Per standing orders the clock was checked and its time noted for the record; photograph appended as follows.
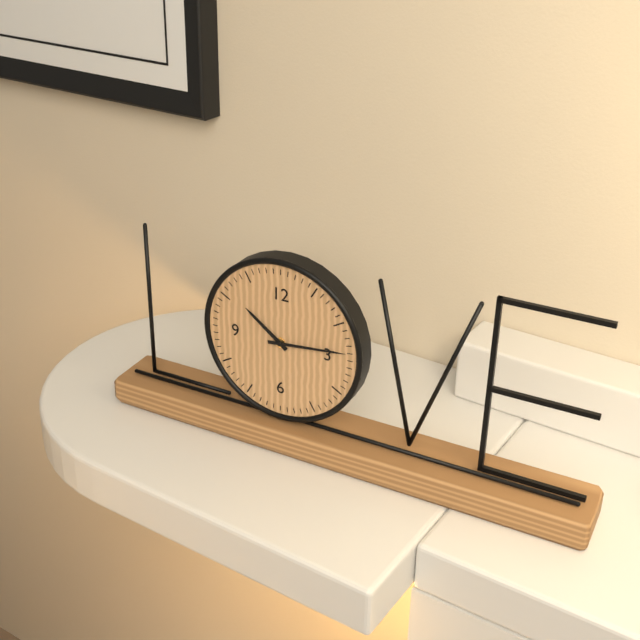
10:14
